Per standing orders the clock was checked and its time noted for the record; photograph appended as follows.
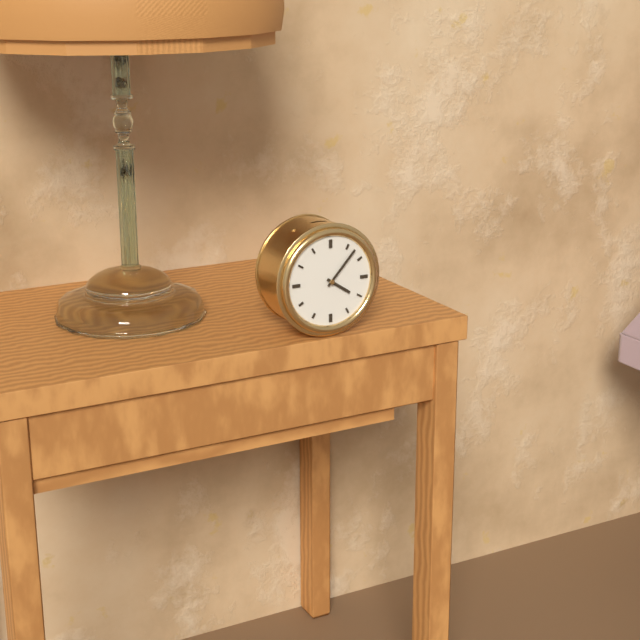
4:07
